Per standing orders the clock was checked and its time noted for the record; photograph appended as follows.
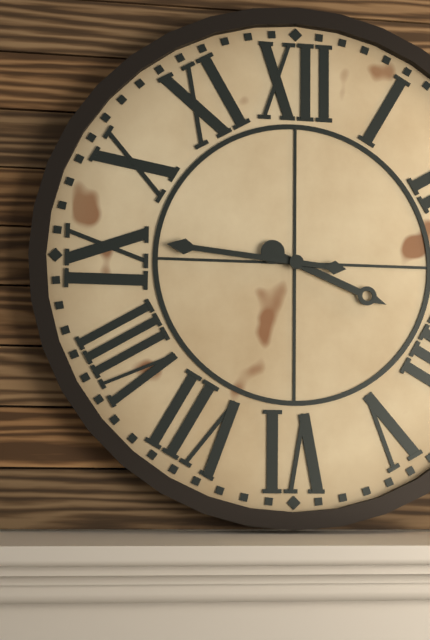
3:46
